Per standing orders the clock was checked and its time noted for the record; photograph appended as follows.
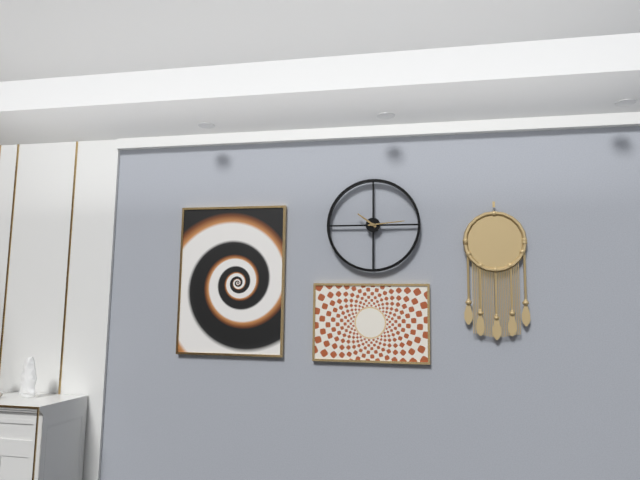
10:14
